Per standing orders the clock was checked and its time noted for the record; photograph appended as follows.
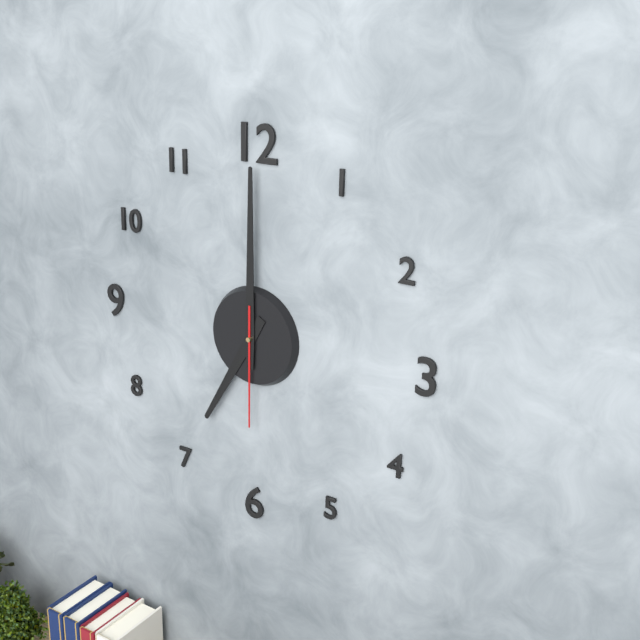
7:00:30
